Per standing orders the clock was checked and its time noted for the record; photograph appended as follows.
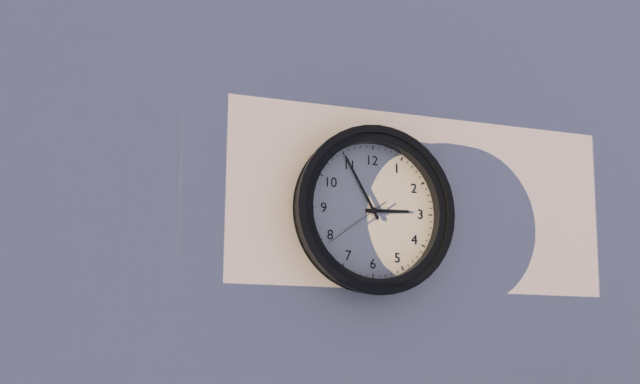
2:55:39
